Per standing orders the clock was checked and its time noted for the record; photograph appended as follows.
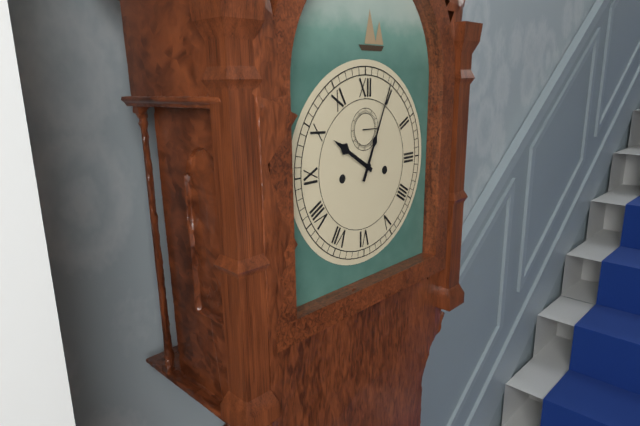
10:04
